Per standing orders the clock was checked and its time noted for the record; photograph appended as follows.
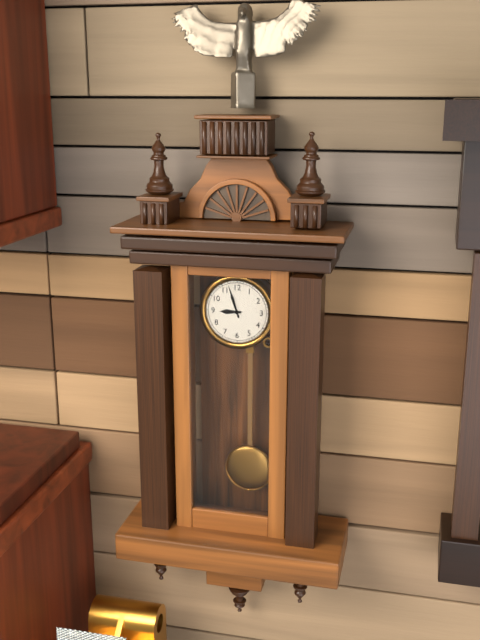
8:57
